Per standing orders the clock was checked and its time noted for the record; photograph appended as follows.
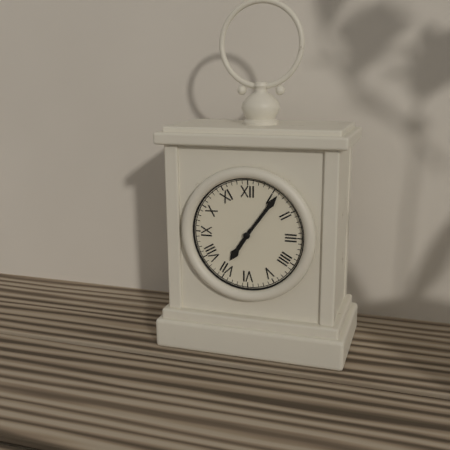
7:06
